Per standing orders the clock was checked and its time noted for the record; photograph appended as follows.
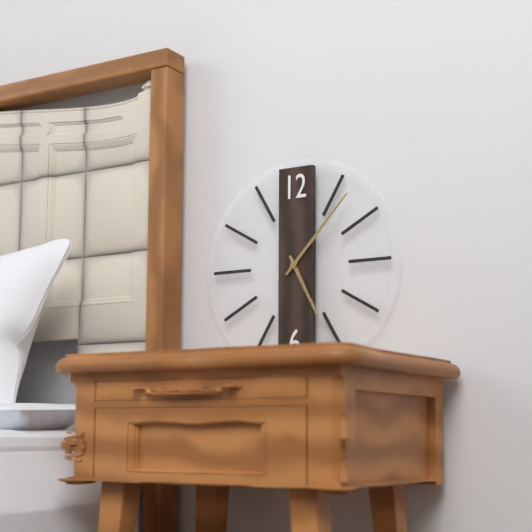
5:07
